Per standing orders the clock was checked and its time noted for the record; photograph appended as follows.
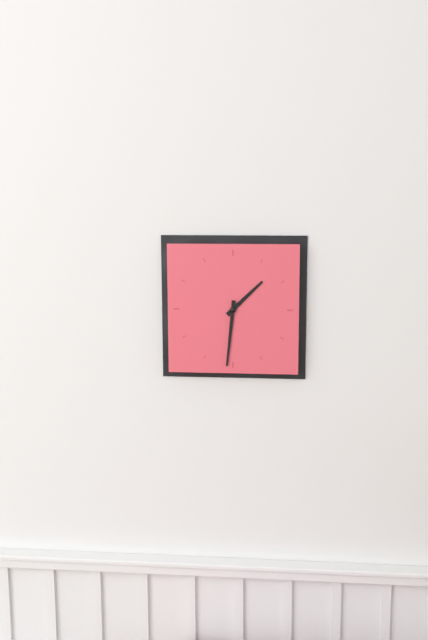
1:31
